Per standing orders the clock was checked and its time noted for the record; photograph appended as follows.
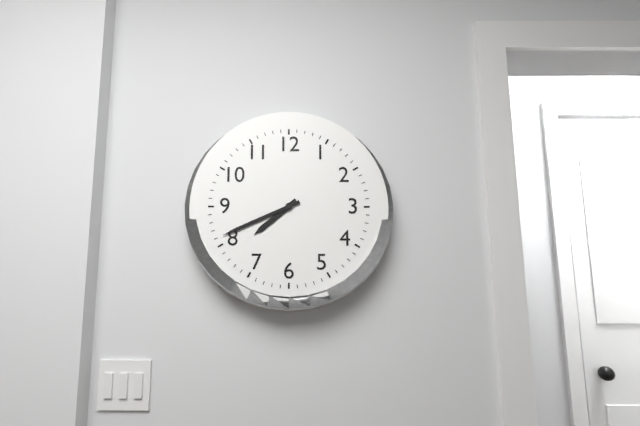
7:41
